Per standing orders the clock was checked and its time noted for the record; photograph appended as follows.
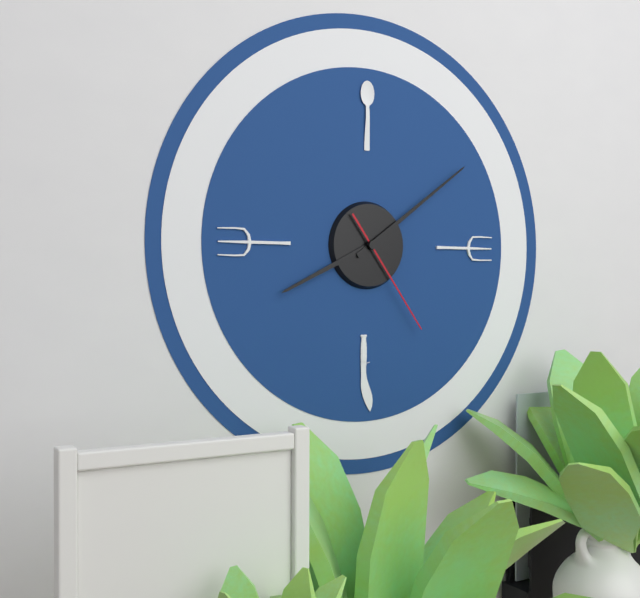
8:09:24
